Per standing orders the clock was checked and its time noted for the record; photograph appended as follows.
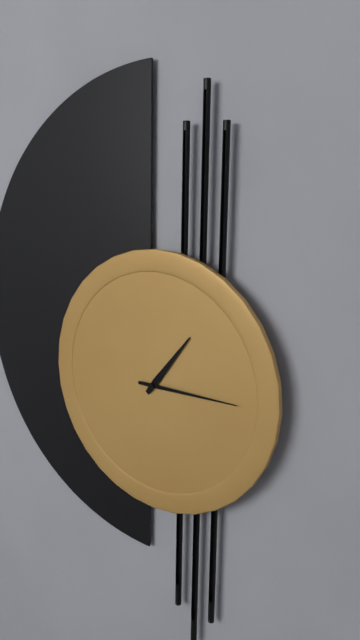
1:15
